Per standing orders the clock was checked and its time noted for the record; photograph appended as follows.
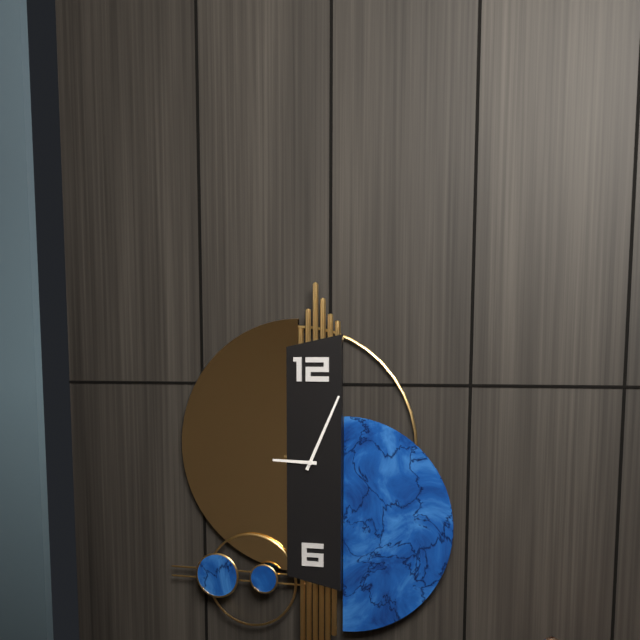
9:04
